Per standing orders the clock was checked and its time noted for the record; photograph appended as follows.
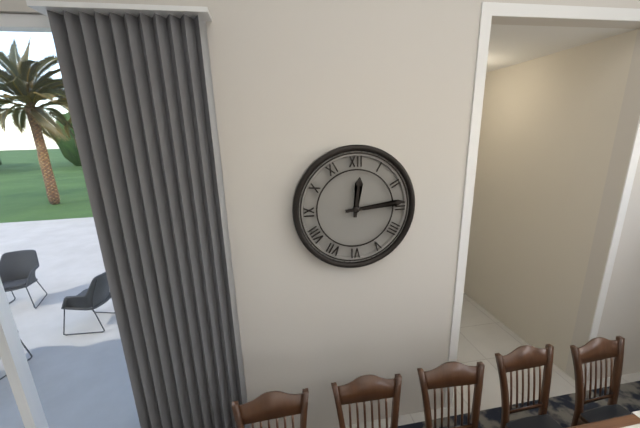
12:14
